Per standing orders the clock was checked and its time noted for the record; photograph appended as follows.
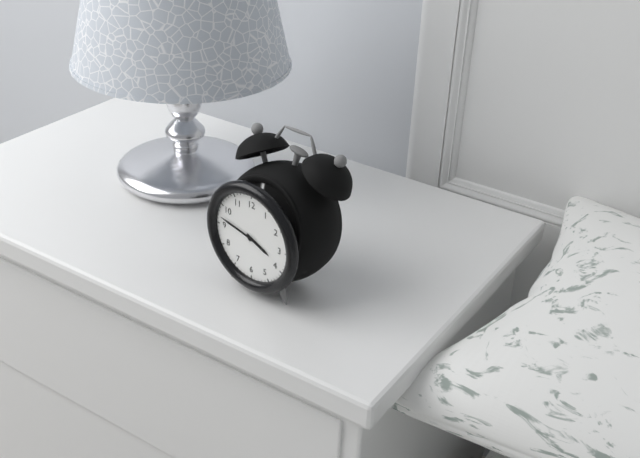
3:47
